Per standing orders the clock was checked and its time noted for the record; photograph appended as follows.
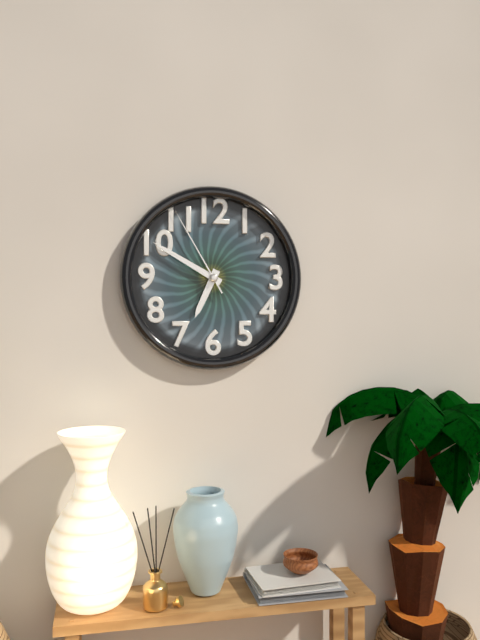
6:50:55
